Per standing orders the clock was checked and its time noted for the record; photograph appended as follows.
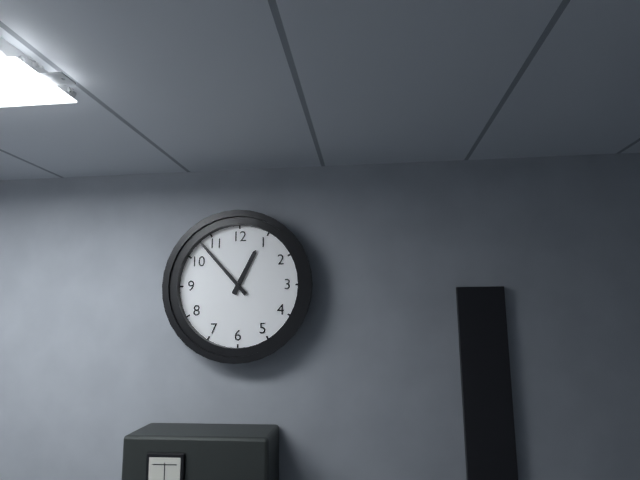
12:53
